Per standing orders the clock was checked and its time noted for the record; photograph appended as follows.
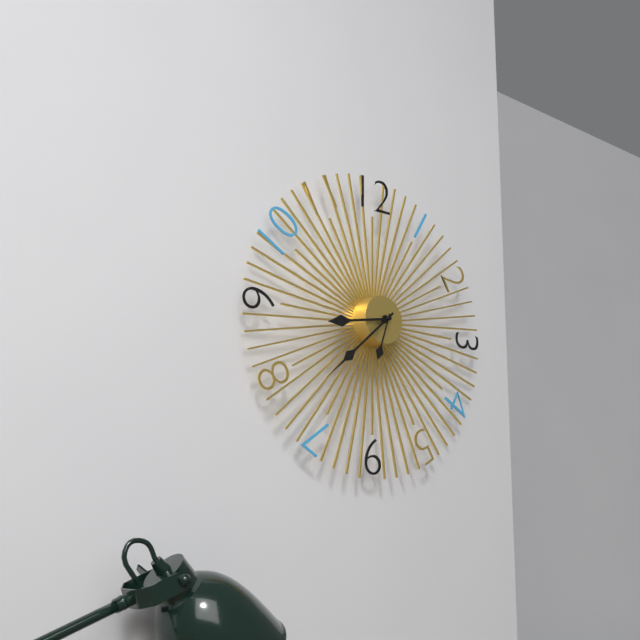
8:38:33
